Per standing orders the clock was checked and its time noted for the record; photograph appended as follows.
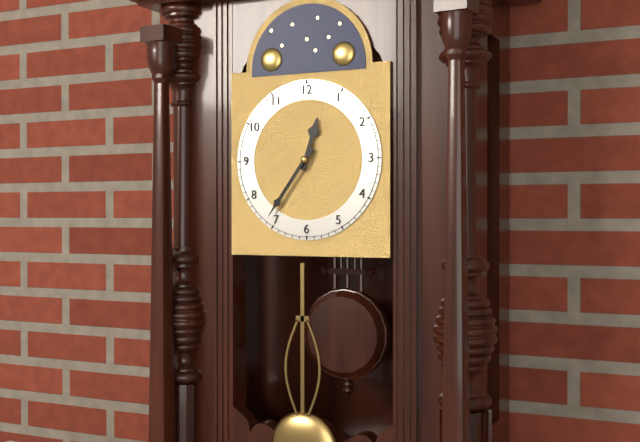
12:36
